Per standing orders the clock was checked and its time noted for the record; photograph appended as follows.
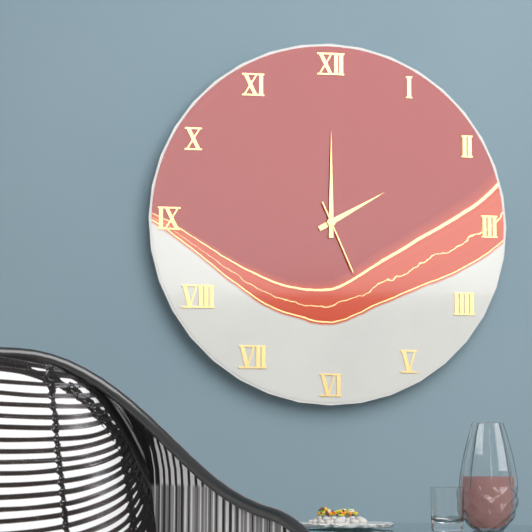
2:00:26
